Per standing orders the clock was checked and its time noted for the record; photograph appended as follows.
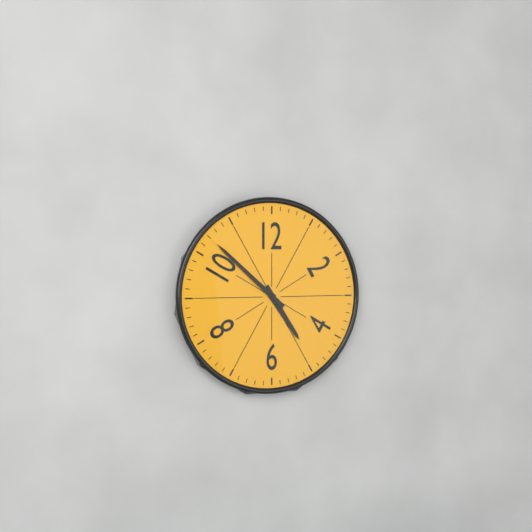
4:52
